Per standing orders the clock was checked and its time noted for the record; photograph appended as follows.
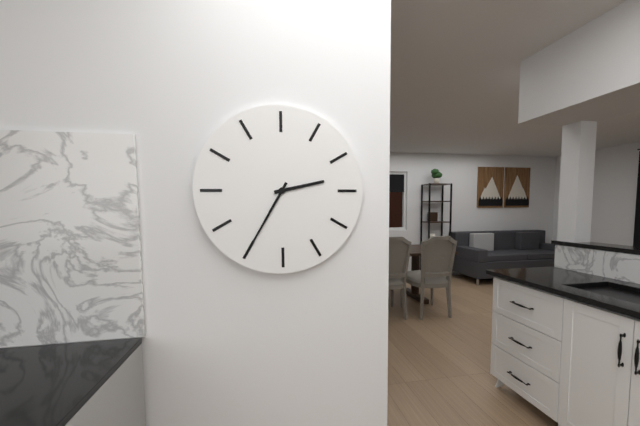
2:35
